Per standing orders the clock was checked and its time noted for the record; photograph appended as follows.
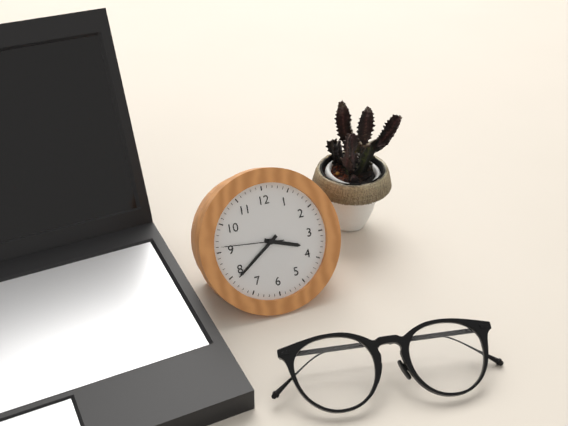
3:39:46
